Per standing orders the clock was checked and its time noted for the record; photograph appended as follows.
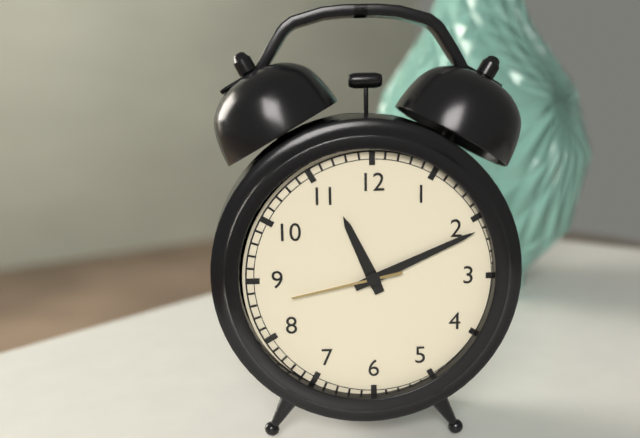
11:11:43
